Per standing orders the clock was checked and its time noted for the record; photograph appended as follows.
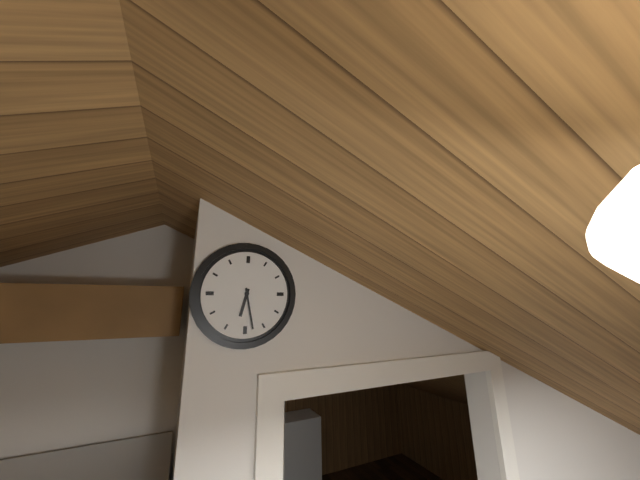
6:28
